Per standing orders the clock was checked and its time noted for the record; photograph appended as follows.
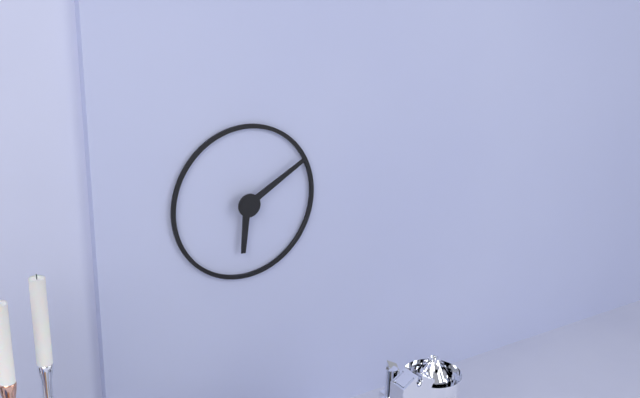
6:10
